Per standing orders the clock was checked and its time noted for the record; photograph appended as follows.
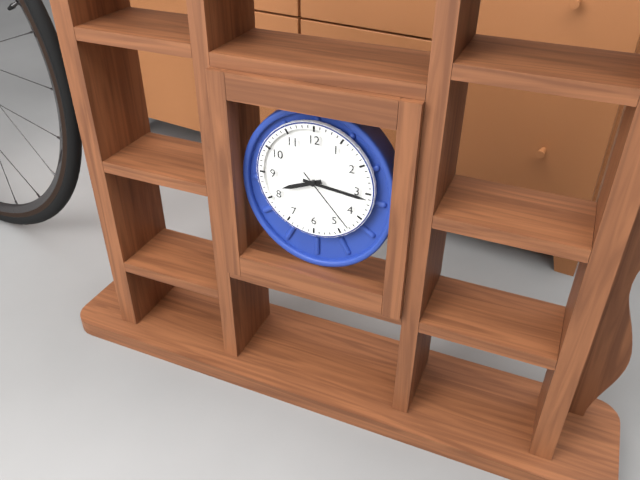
8:16:23
